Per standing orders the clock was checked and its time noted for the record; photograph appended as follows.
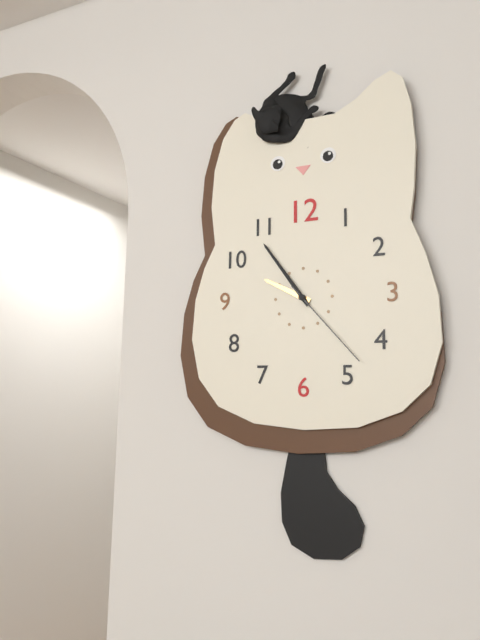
9:54:23
